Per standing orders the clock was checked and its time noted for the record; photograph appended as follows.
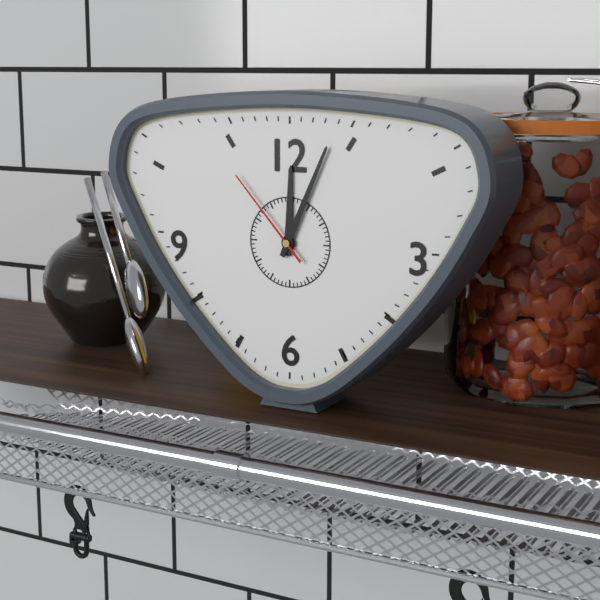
12:04:53
